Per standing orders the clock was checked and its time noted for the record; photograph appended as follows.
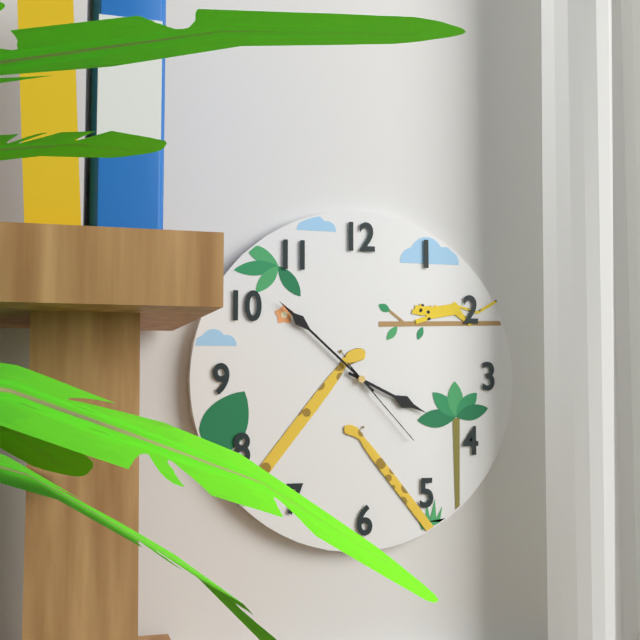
3:52:23
